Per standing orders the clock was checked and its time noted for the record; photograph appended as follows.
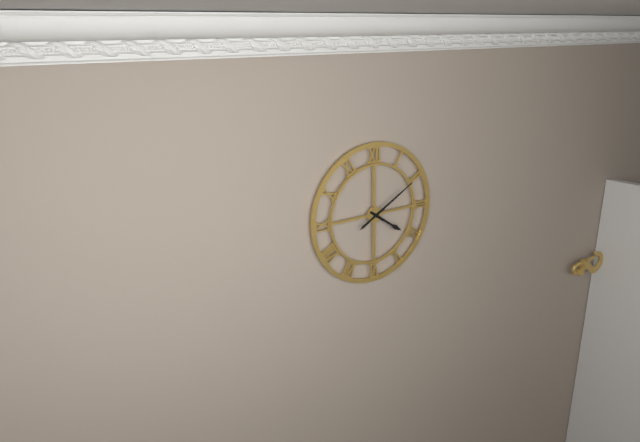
4:10
